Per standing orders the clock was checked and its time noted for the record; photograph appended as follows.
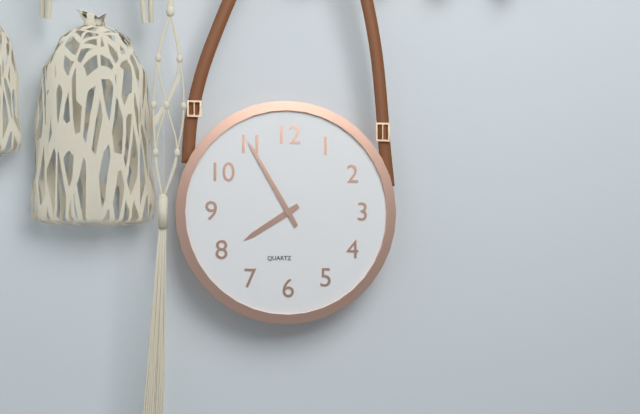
7:55
